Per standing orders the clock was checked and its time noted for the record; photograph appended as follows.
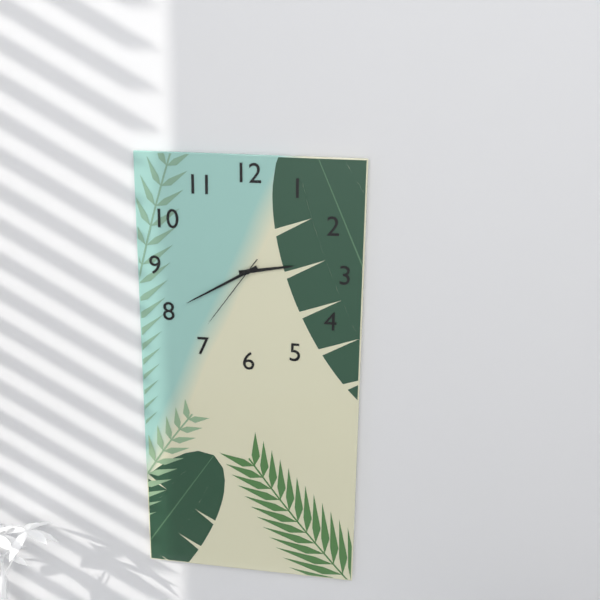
2:40:36
